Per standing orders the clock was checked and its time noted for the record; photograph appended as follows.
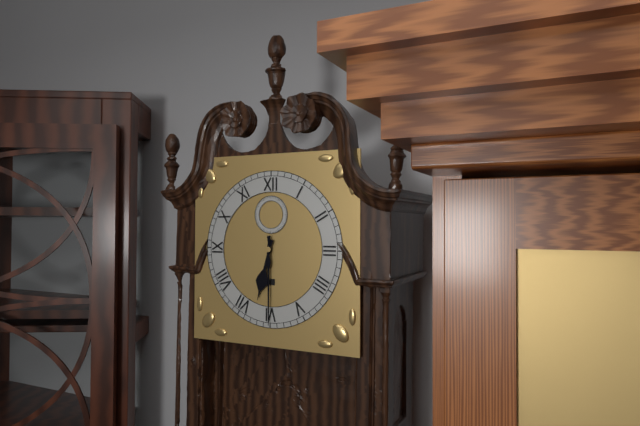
6:30
